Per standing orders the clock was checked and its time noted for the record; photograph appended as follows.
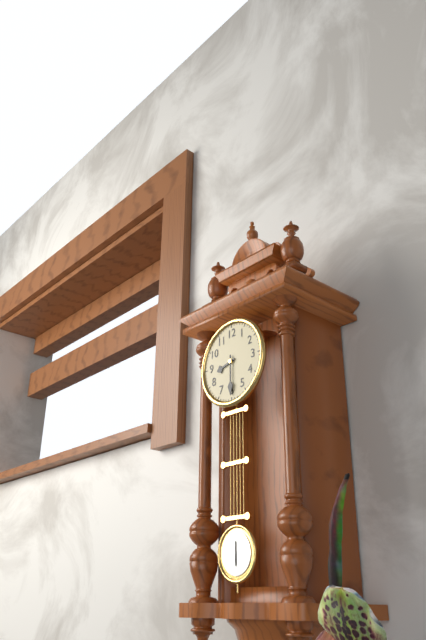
8:30
